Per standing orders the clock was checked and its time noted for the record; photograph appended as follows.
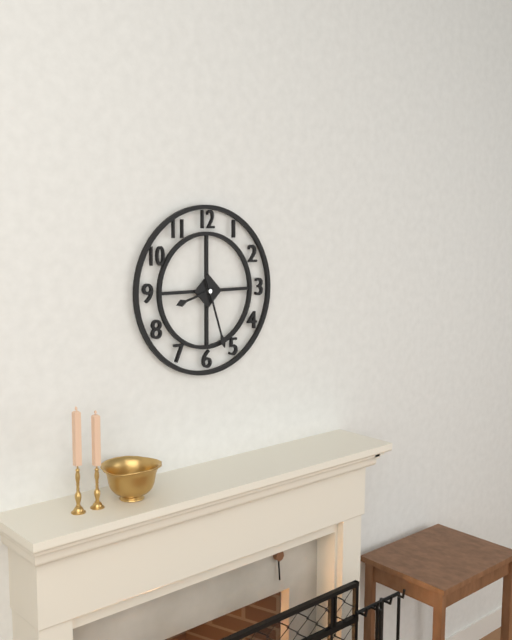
8:27
